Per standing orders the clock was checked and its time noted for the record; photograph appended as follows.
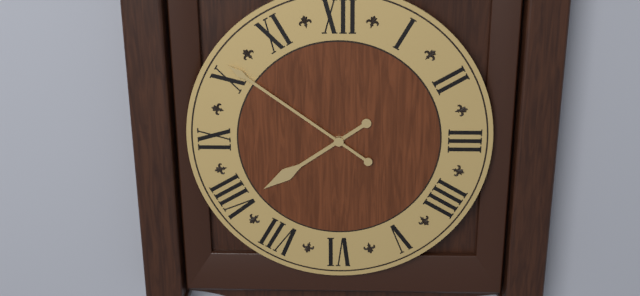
7:51
